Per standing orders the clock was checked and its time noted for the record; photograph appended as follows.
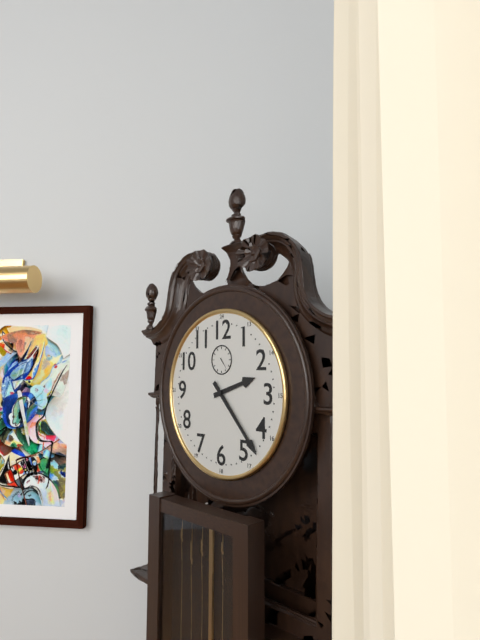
2:23
